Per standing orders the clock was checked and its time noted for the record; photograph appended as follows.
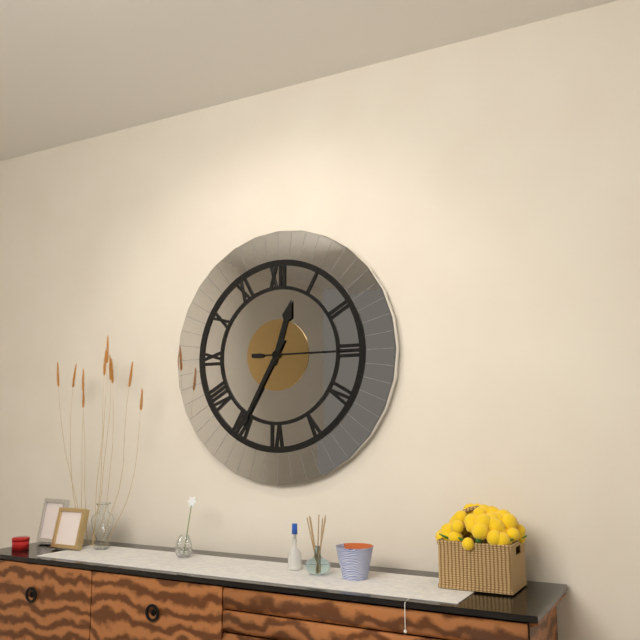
12:35:15
